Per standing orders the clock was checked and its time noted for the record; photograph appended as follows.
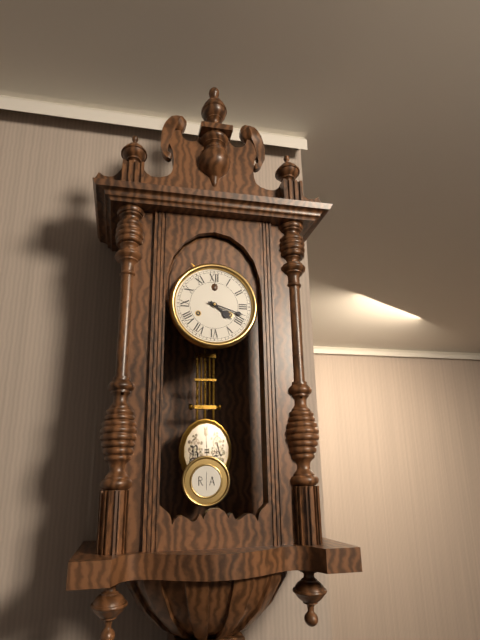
4:18
